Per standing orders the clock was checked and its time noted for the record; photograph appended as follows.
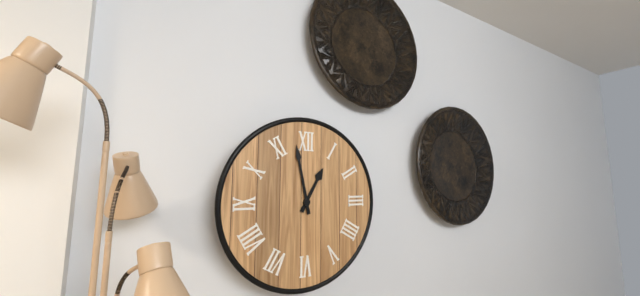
12:58
